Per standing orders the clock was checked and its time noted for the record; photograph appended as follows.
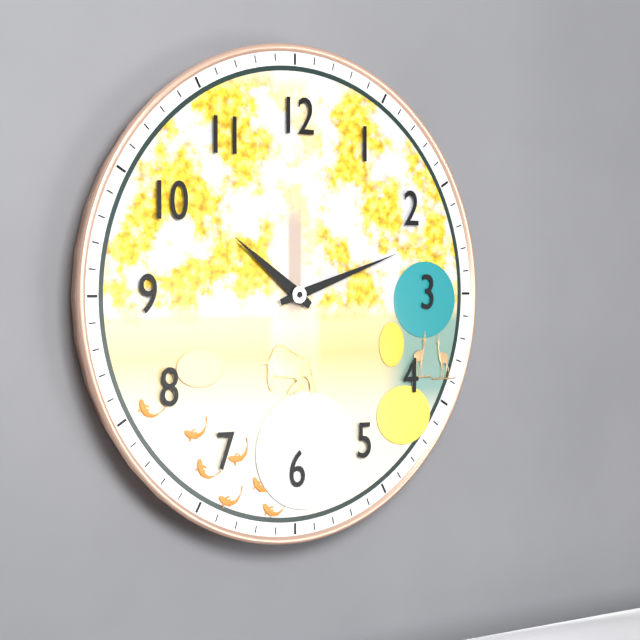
10:12
